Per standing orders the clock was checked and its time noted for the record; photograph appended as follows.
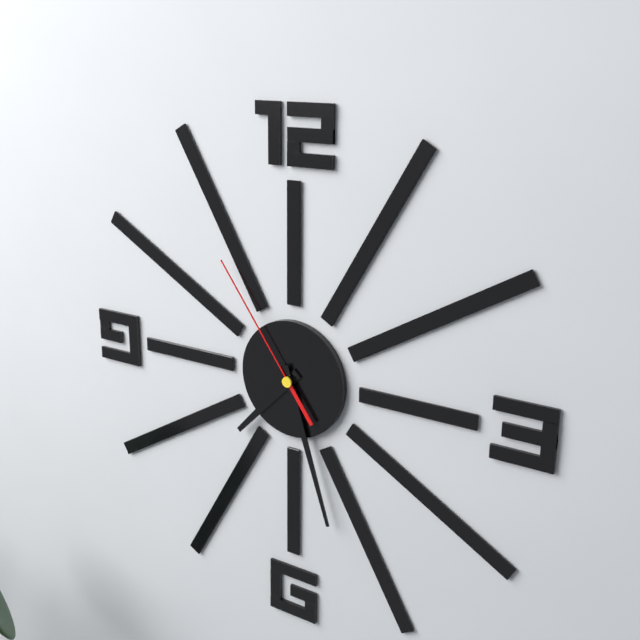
7:27:54
